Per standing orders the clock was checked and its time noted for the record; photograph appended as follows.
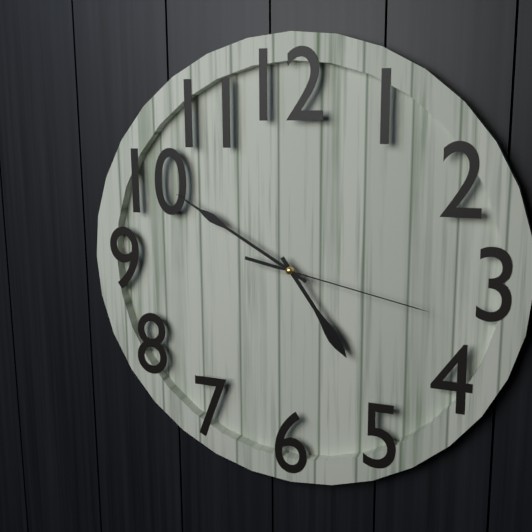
4:50:17
